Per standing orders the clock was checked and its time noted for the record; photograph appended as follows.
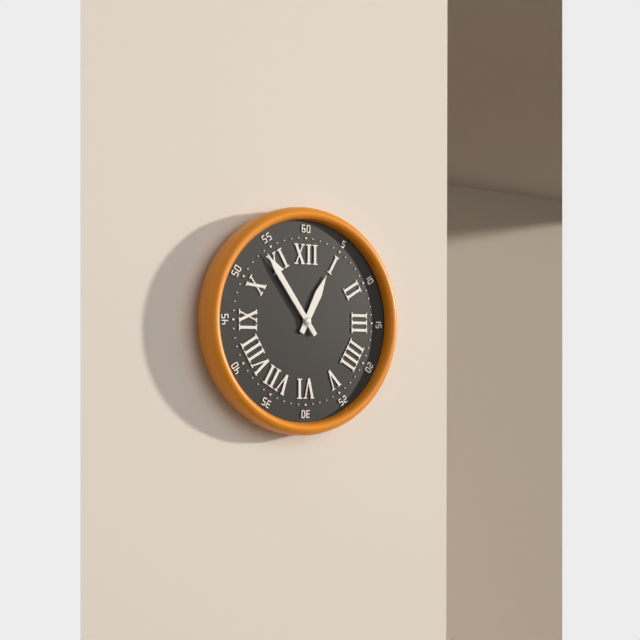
12:54
